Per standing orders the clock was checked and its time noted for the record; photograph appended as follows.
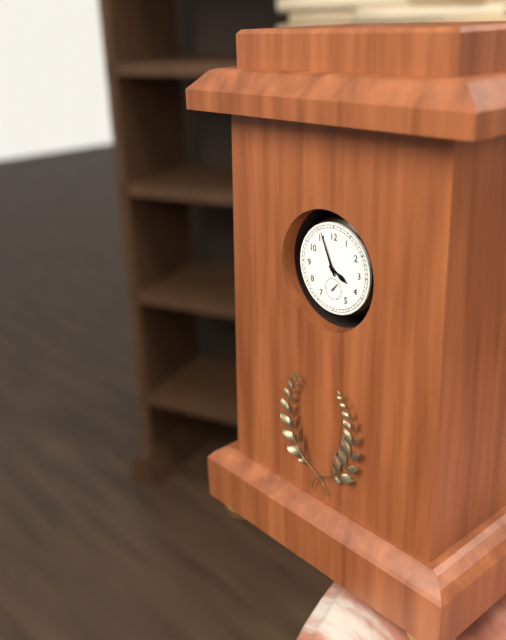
3:56
